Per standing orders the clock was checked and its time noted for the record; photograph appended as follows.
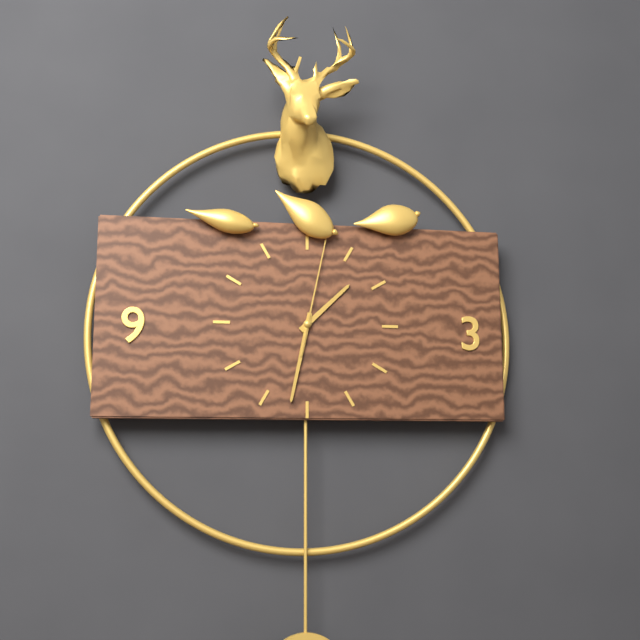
1:32:02
